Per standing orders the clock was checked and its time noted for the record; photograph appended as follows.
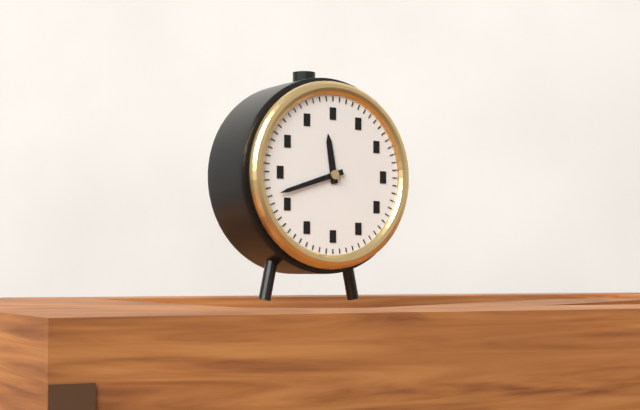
11:42
